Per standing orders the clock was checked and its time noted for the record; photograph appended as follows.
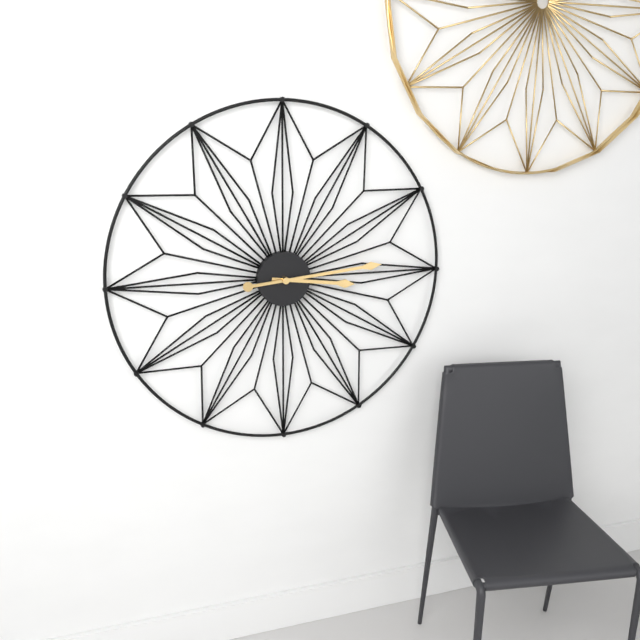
3:14
